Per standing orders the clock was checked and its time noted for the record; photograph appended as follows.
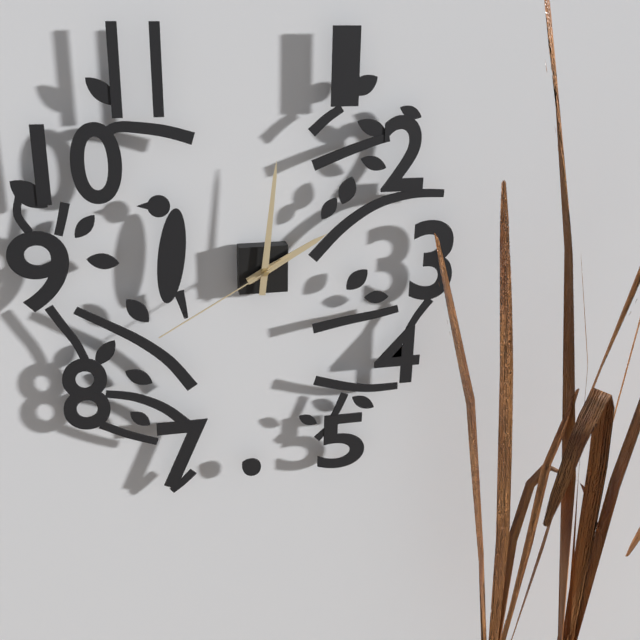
2:01:40
